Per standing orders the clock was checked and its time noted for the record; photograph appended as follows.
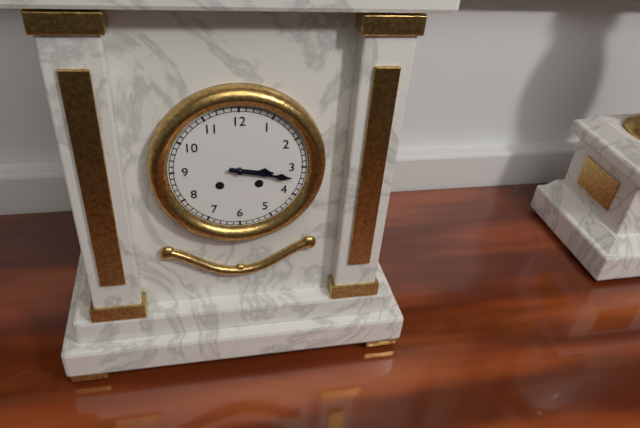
3:17
